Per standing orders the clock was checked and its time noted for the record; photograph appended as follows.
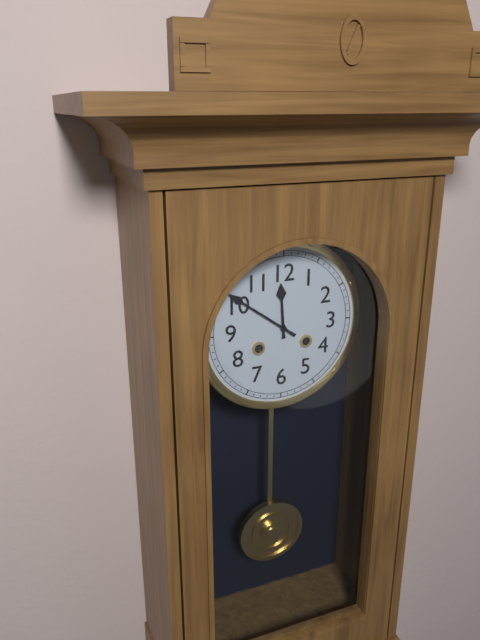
11:51
